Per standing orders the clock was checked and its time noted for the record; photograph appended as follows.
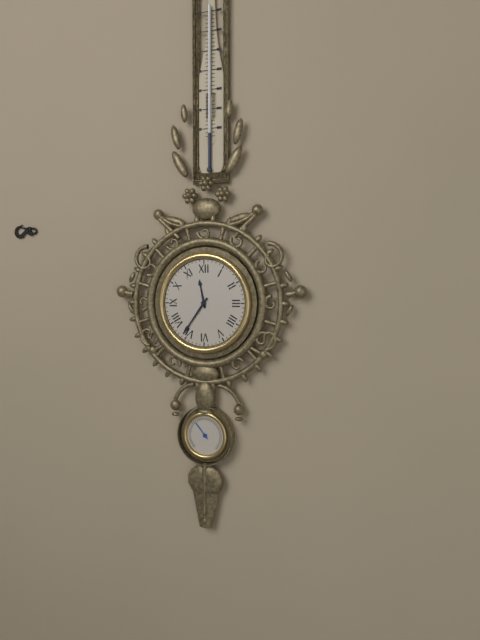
11:36
